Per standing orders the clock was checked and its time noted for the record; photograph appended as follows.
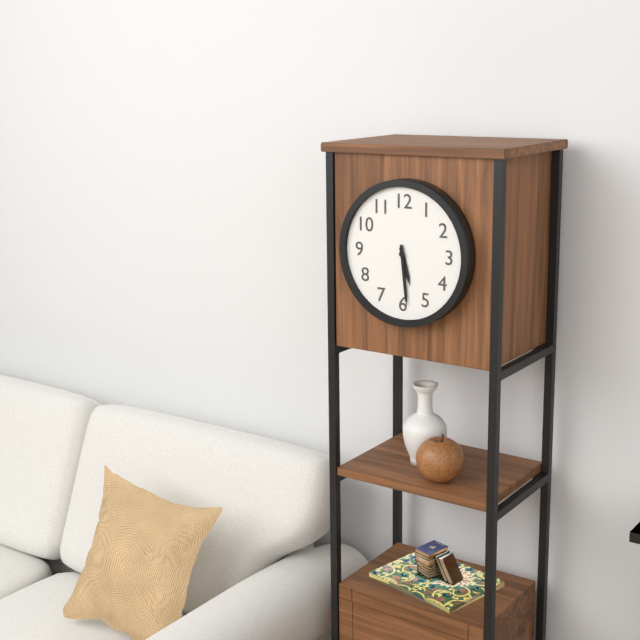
5:29
